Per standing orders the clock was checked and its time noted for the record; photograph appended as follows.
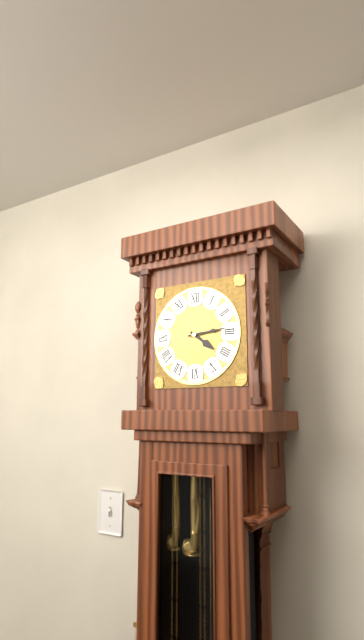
4:14
